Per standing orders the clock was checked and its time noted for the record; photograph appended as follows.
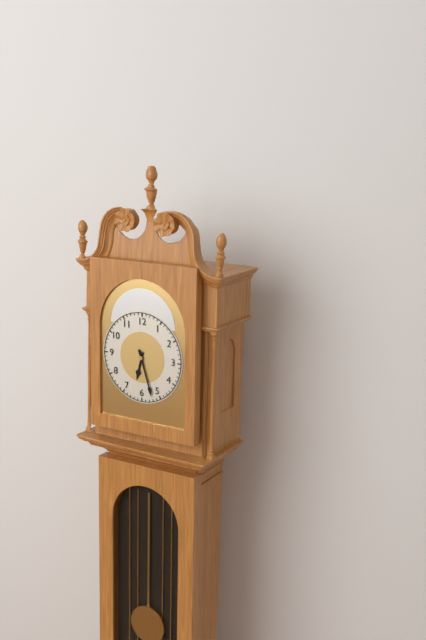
6:27
